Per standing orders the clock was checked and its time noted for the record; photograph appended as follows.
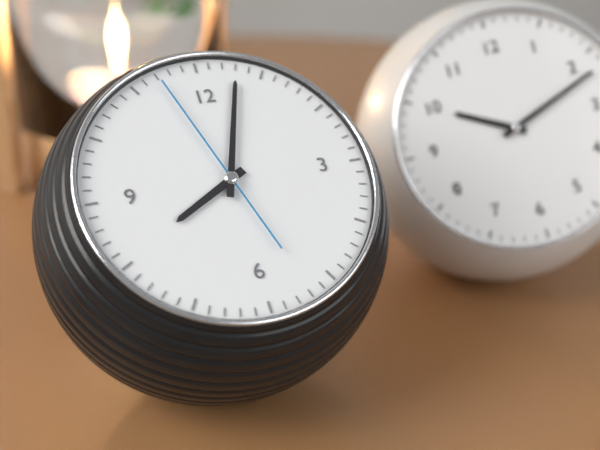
8:03:57
